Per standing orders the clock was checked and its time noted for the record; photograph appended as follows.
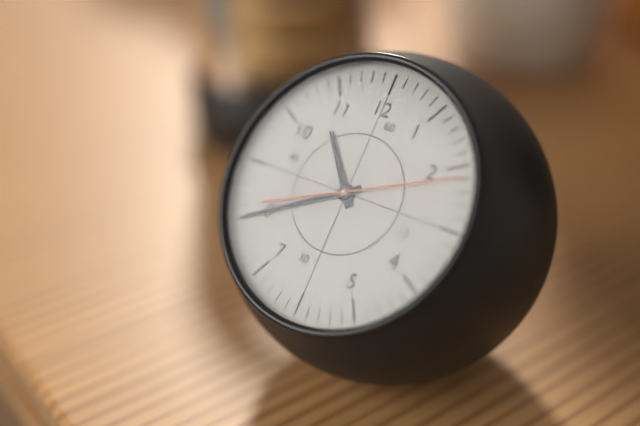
10:40:11
